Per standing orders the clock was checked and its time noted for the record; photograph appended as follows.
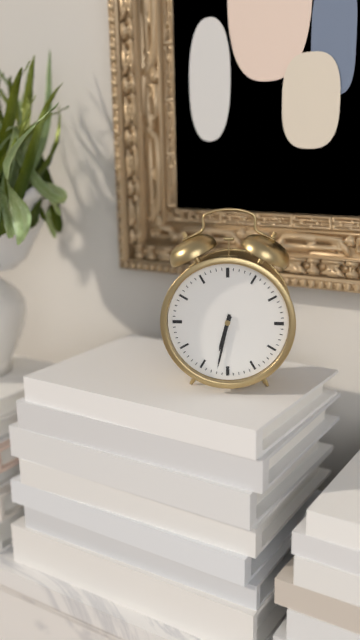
6:32
